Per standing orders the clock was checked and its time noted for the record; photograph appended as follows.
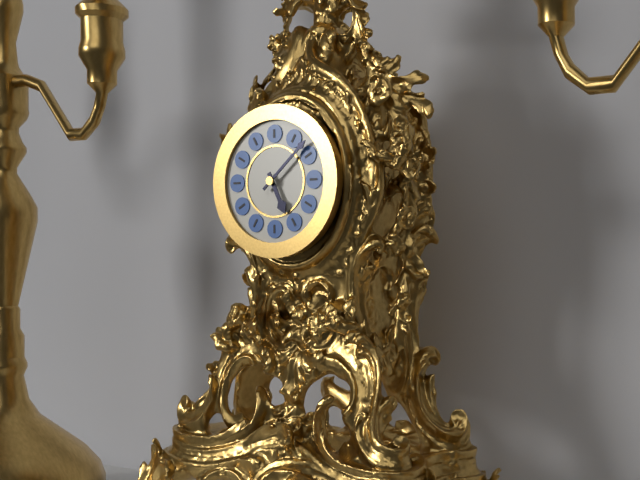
5:08
